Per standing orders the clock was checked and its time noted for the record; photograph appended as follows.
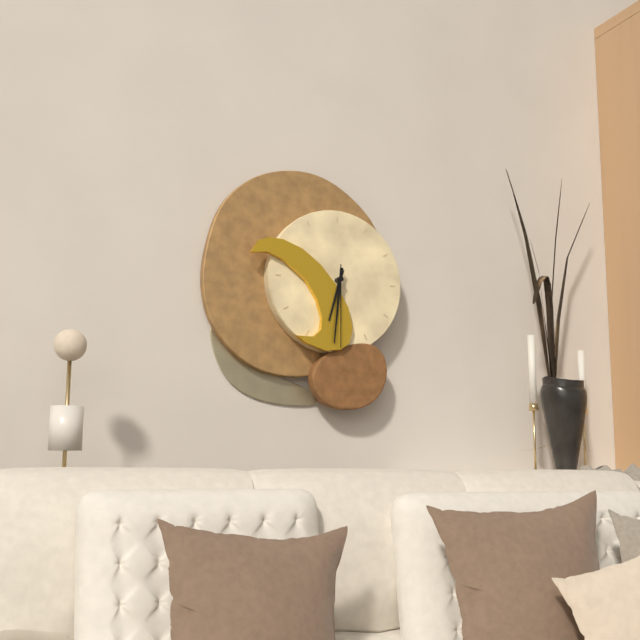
6:31:30
